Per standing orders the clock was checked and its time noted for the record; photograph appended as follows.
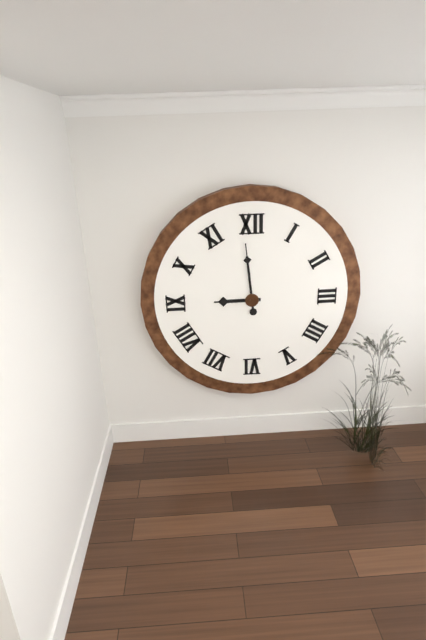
8:59
